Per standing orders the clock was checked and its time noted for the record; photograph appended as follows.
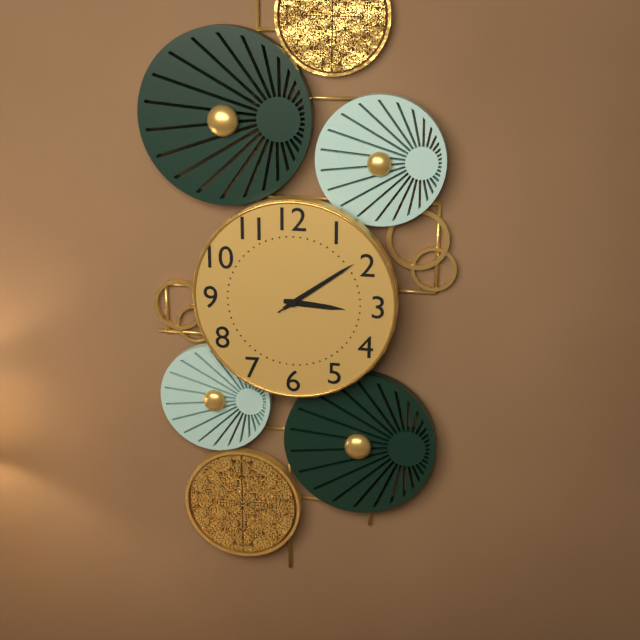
3:09:09
